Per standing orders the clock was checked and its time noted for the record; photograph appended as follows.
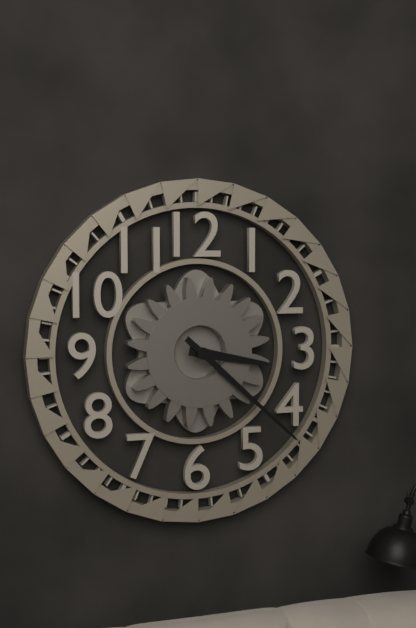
3:22
